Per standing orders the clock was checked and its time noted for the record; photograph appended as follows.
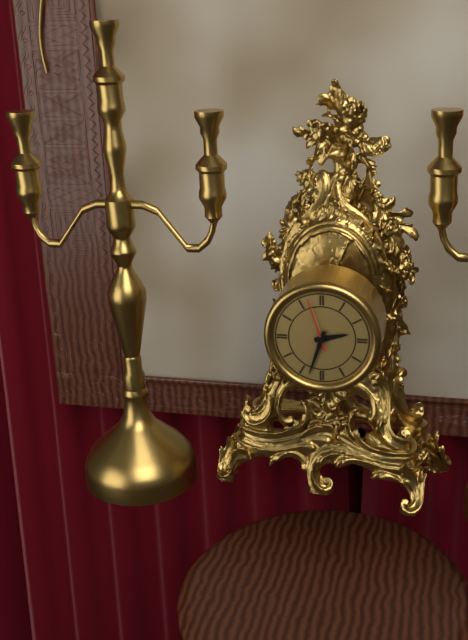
2:33:57
